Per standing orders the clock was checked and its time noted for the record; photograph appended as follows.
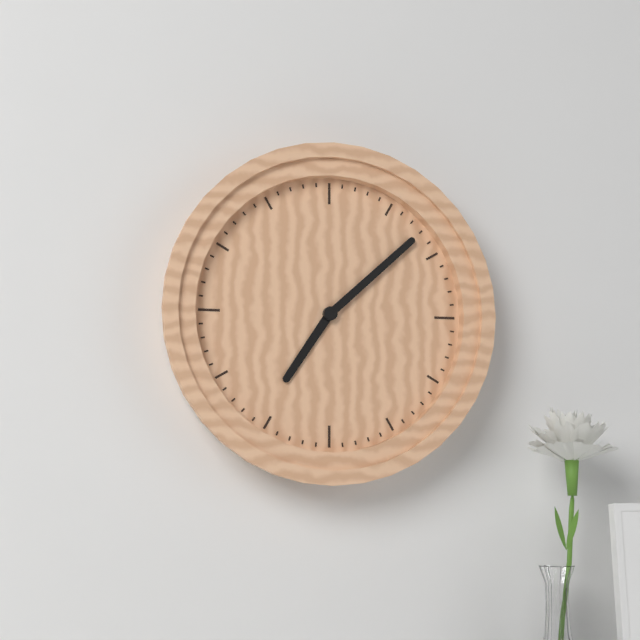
7:08
